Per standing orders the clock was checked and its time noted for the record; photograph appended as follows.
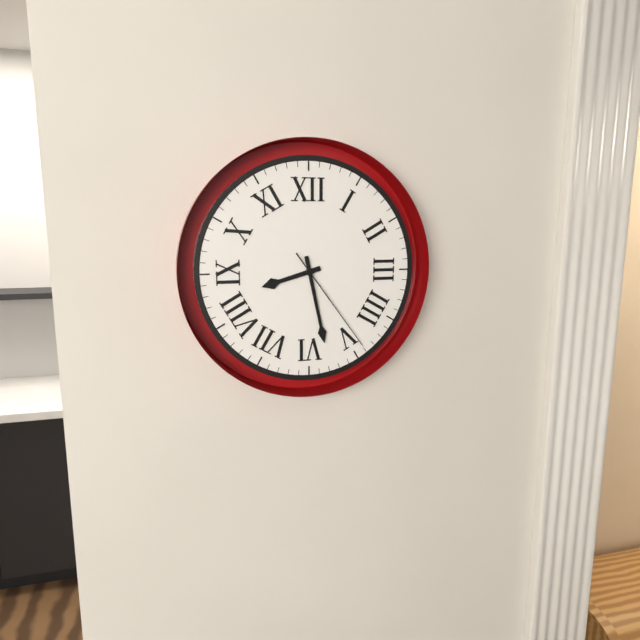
8:28:24
